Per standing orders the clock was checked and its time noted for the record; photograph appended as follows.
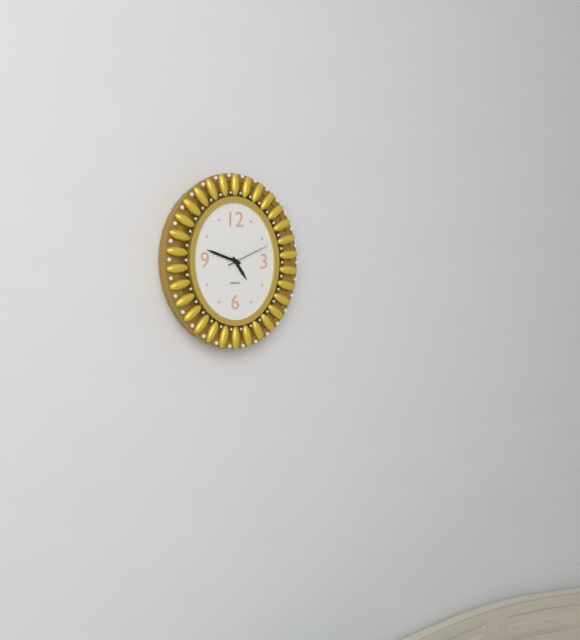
4:48
